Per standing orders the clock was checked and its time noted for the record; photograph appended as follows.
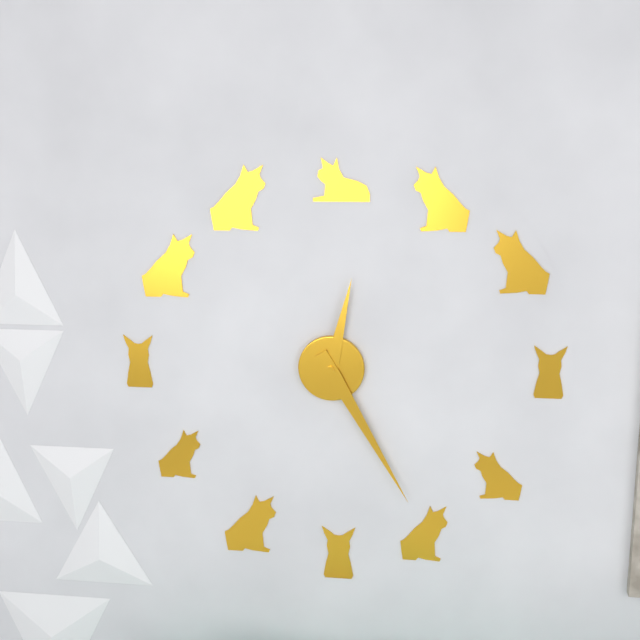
12:25
